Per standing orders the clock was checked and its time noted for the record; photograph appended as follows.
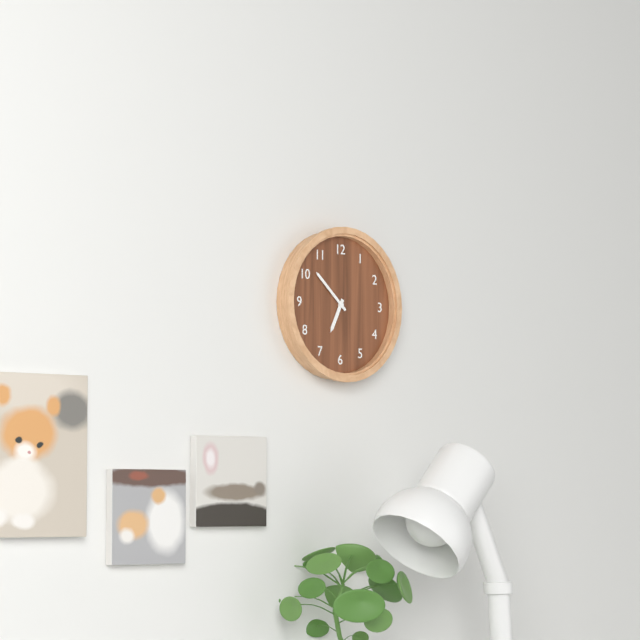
6:52
